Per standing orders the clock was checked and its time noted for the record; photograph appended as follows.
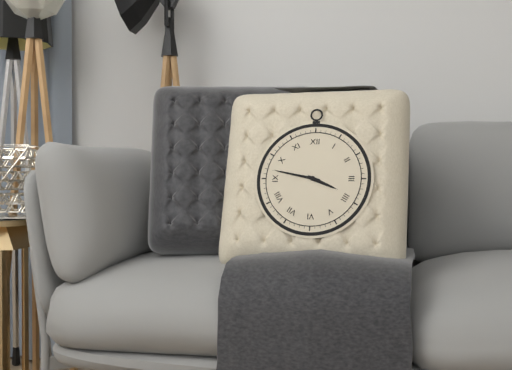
3:47
